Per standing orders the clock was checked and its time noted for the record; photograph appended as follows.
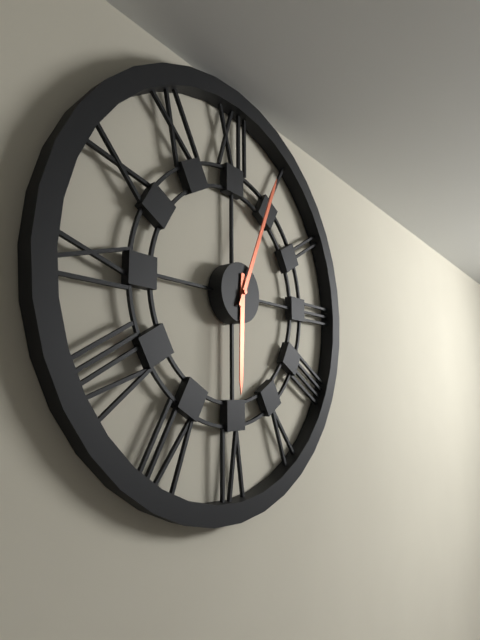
6:04
